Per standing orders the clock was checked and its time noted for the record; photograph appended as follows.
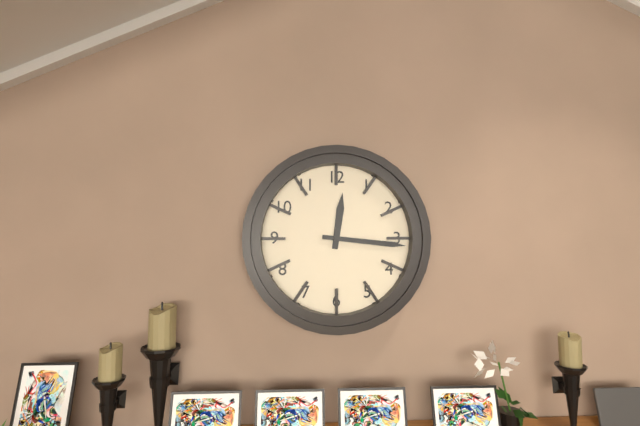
12:16
